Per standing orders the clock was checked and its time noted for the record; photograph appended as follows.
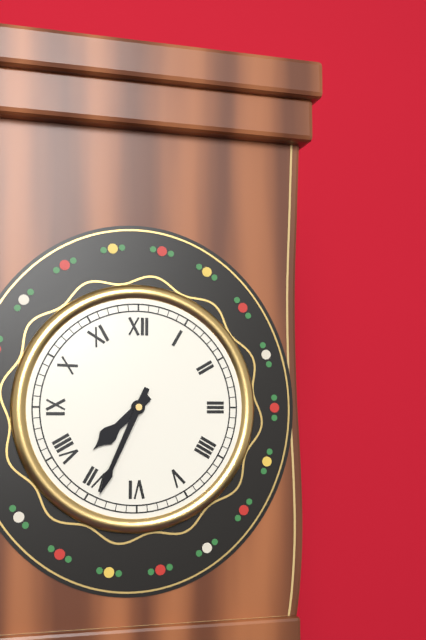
7:34
